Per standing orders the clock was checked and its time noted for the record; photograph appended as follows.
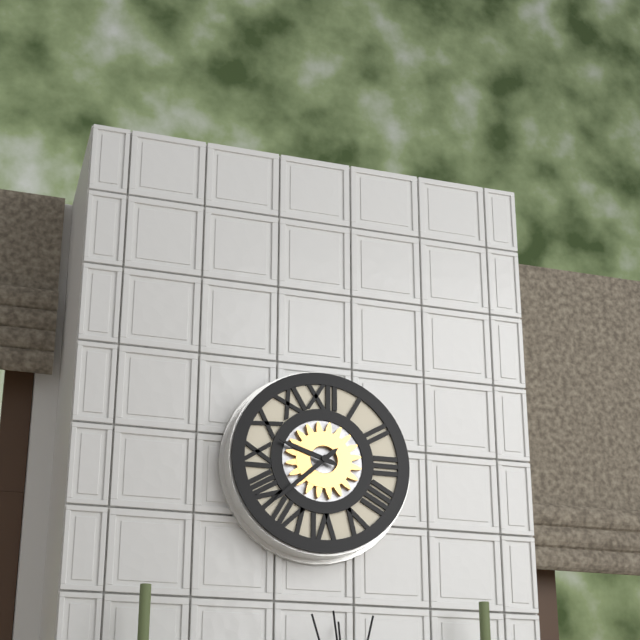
9:38
